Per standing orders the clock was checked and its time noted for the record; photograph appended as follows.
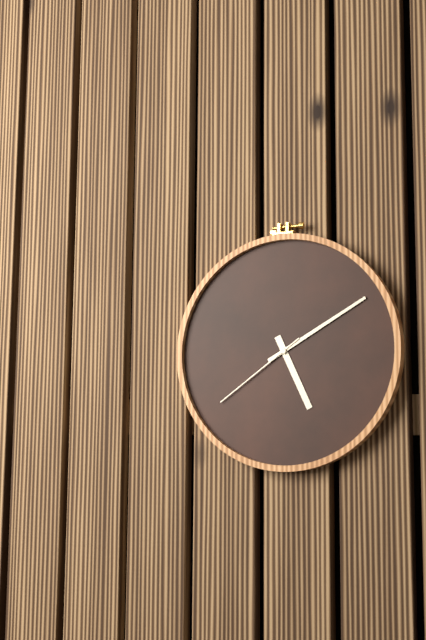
5:10:39
